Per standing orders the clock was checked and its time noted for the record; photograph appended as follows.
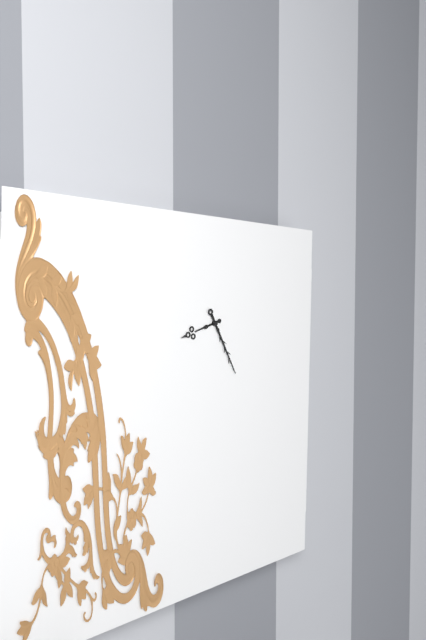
8:25
